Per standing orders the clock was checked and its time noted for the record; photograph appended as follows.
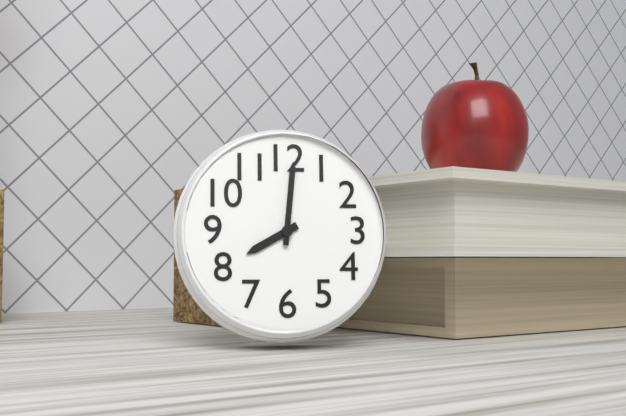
8:01
